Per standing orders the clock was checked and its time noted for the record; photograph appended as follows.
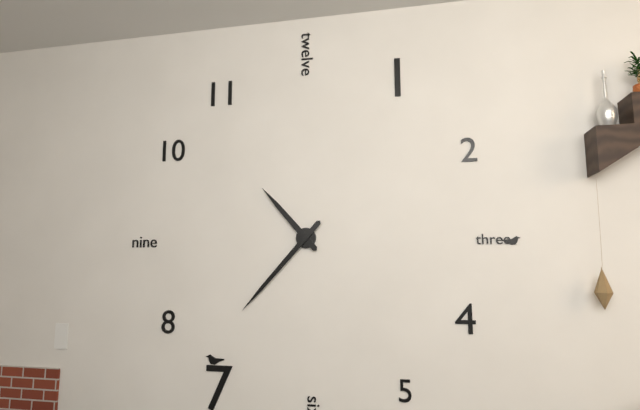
10:37
